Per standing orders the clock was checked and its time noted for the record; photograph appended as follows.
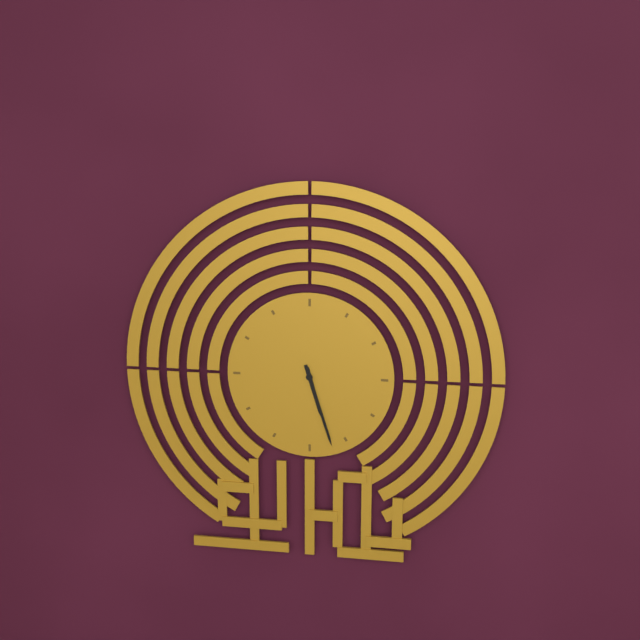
5:27
